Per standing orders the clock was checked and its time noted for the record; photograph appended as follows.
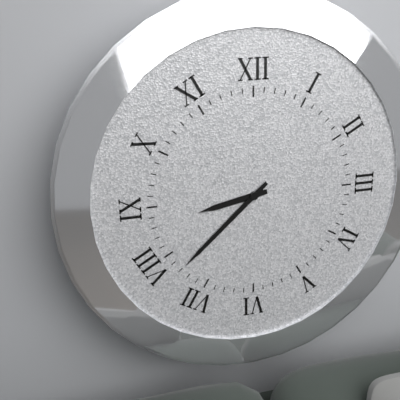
8:38
